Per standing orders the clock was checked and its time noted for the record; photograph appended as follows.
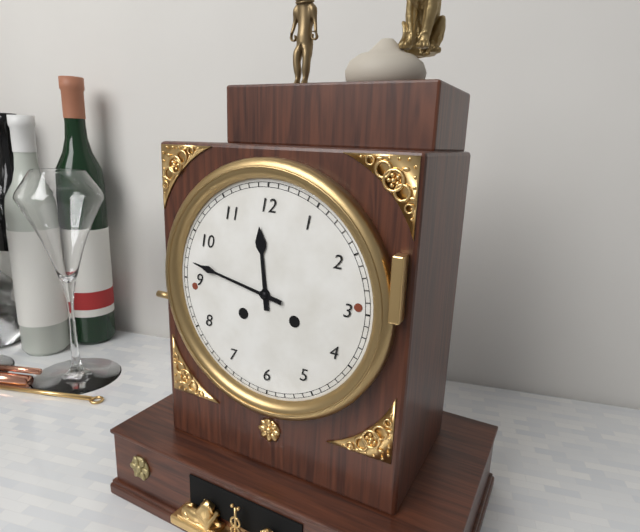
11:47
